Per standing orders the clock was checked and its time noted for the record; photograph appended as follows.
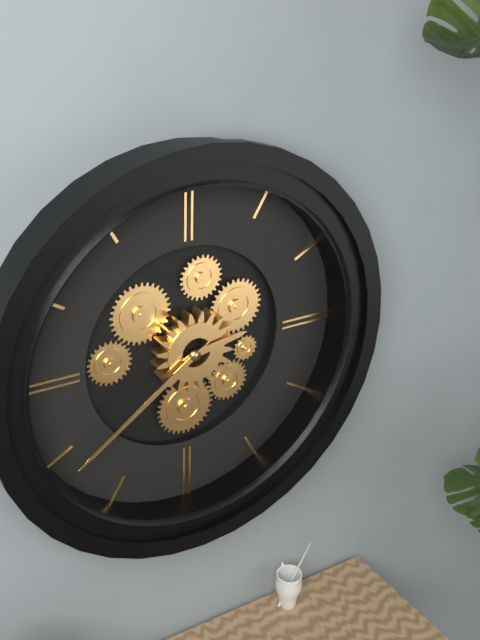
2:39
